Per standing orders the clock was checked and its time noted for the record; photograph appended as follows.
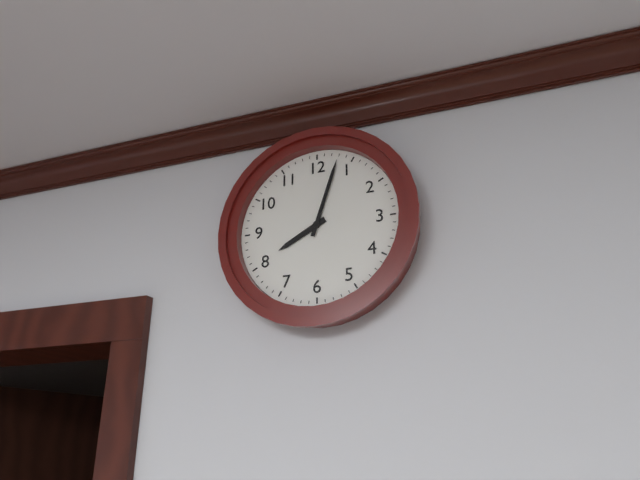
8:03
